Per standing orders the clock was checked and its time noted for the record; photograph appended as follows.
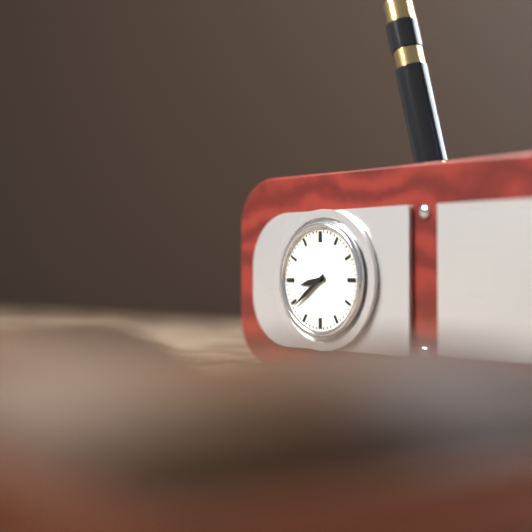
8:39
